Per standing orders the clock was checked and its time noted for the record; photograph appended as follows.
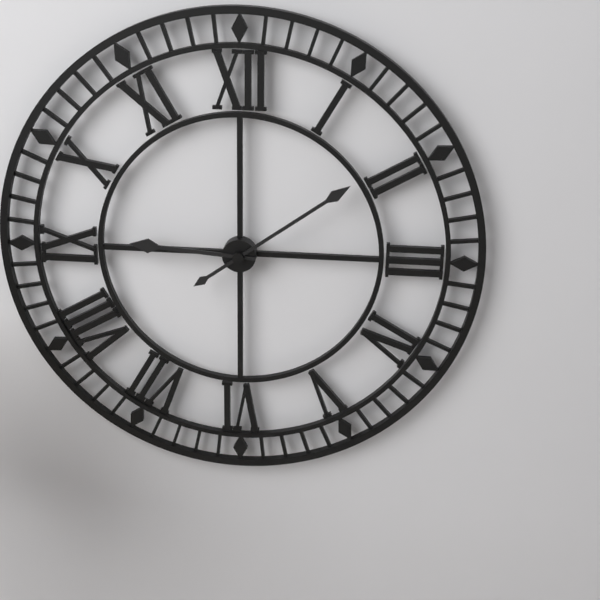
9:09
